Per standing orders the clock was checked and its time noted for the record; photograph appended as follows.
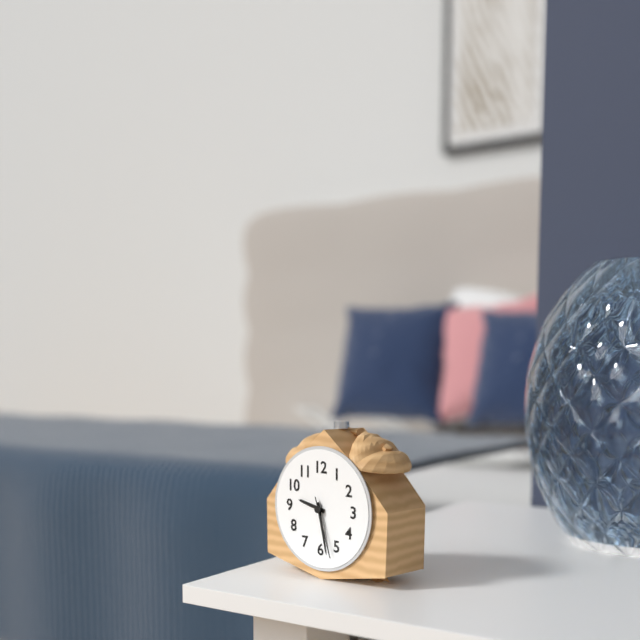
9:28:27
